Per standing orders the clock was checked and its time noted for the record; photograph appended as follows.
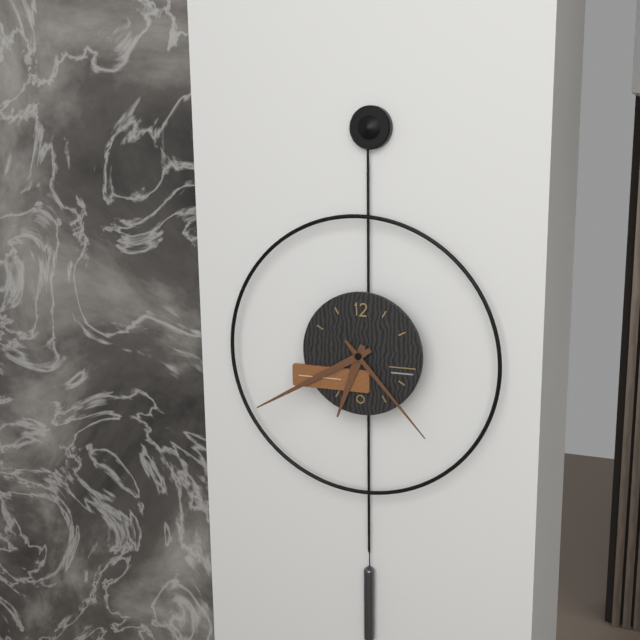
6:40:23
